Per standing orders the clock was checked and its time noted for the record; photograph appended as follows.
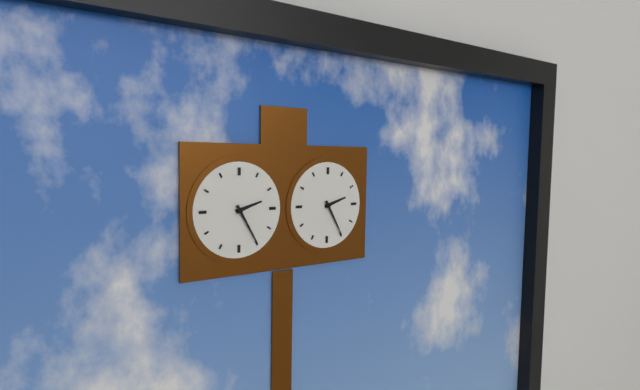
2:25
